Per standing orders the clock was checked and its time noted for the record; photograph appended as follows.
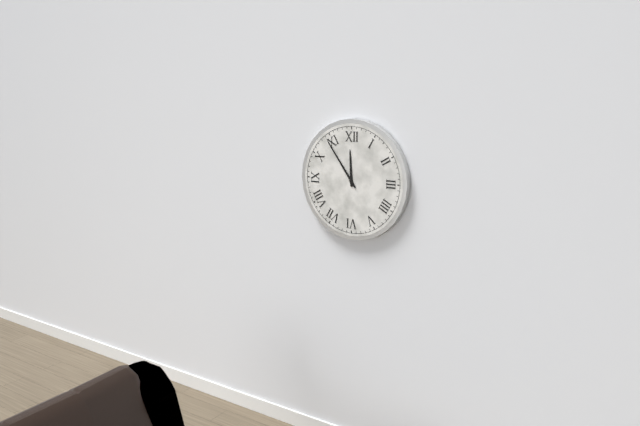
11:54
